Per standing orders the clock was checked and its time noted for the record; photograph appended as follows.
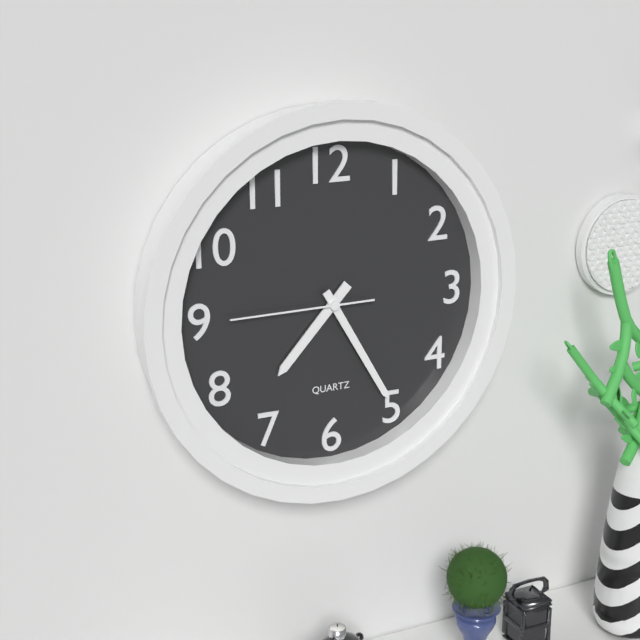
7:25:45
